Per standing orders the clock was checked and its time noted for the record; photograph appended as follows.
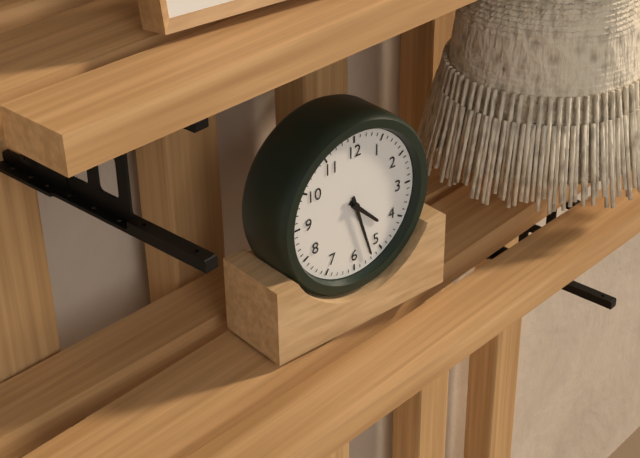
4:27
